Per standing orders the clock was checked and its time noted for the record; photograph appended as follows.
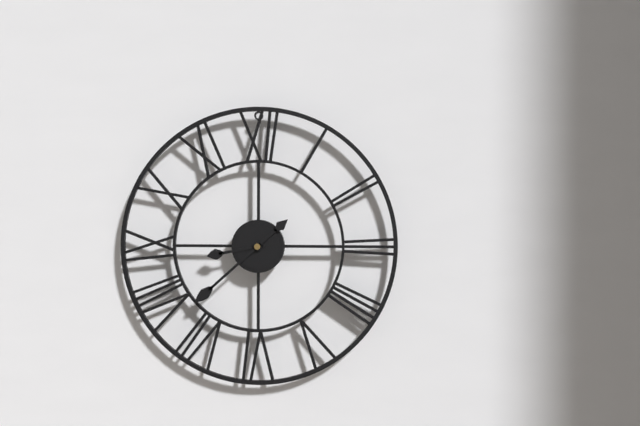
8:38
